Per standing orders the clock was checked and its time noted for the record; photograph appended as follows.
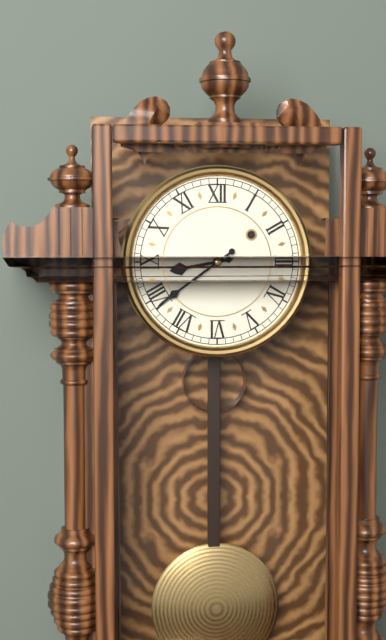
8:39
